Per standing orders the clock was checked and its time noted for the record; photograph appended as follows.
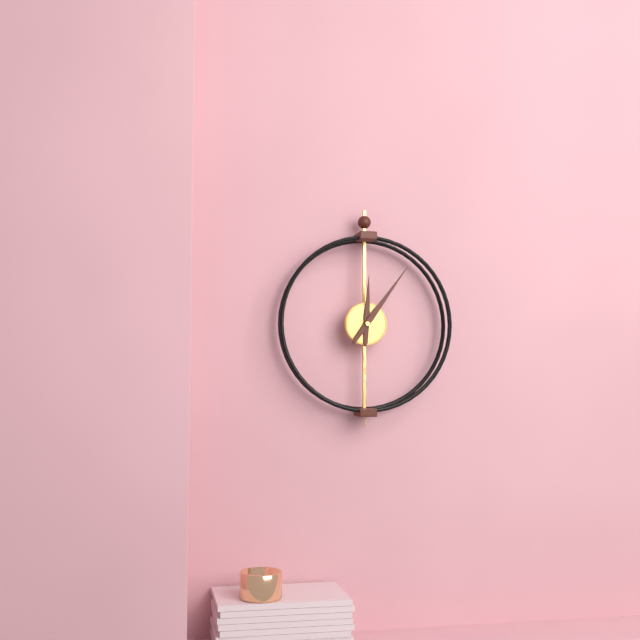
12:06
